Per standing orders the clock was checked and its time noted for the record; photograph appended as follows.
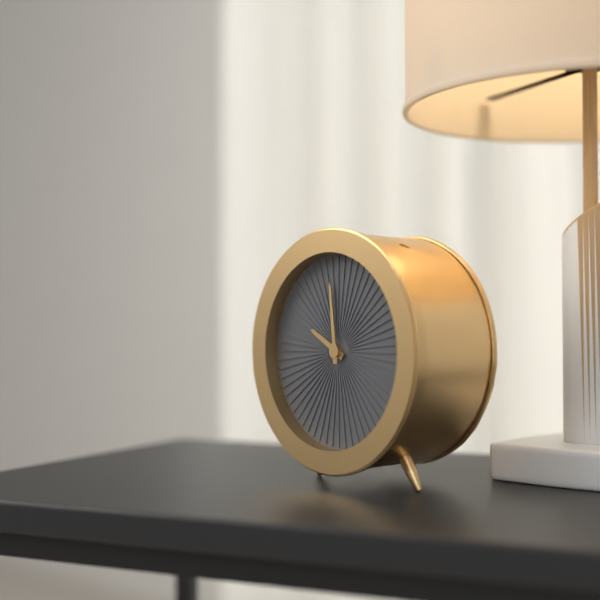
9:59
